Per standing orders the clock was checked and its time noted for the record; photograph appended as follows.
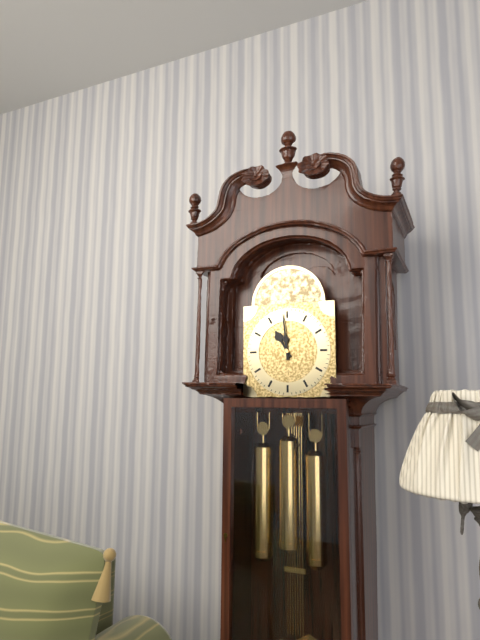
10:59
